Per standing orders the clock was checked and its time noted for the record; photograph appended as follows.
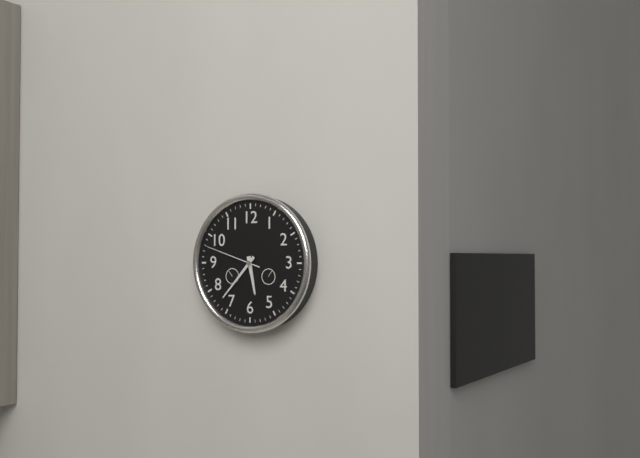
5:37:48
